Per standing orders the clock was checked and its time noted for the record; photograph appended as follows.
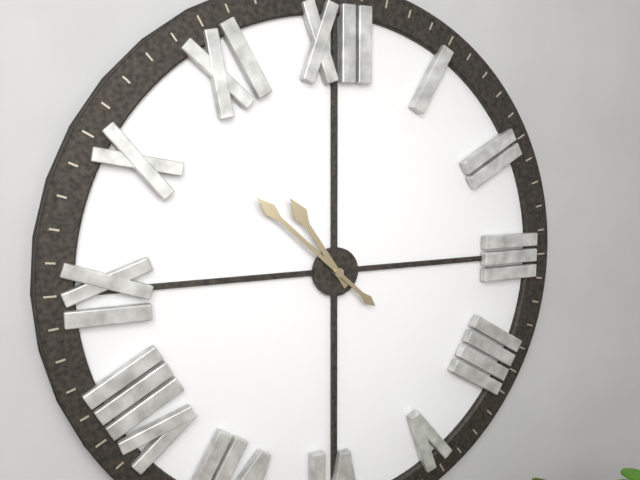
10:52
